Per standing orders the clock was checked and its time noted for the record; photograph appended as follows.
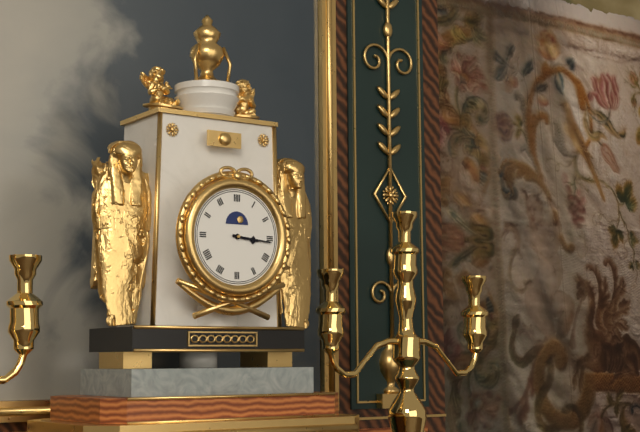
3:16
